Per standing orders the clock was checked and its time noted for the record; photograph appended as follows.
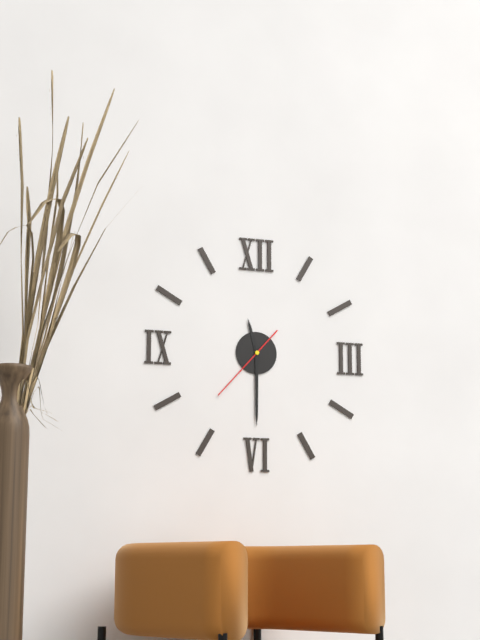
11:30:37
